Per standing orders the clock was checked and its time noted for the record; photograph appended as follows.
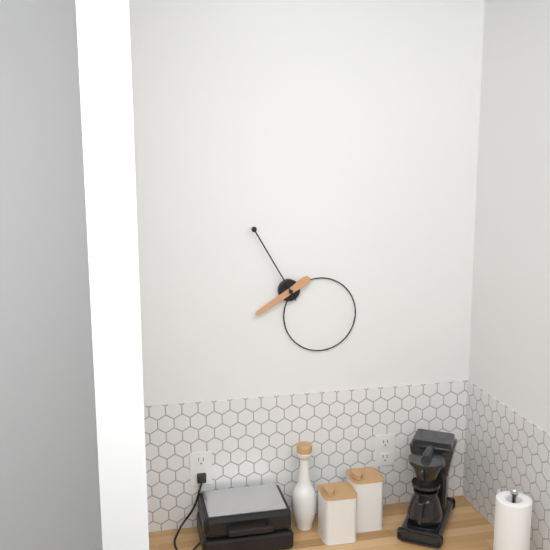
7:55
